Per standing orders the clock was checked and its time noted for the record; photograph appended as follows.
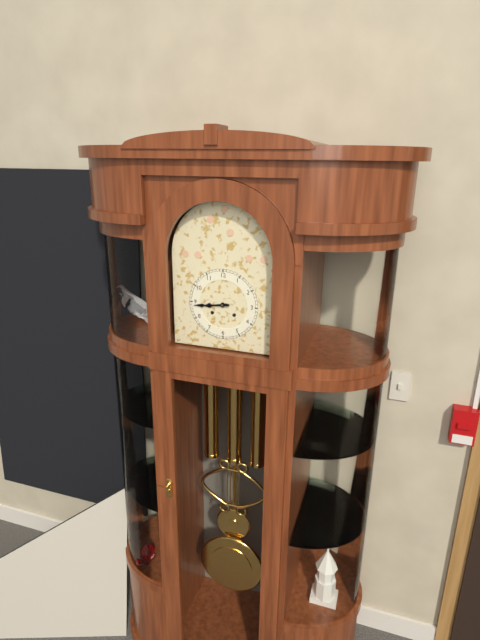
8:44
